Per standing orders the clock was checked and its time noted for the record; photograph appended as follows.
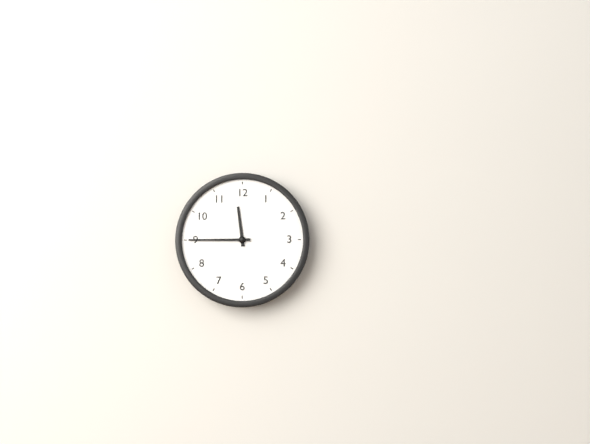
11:45
